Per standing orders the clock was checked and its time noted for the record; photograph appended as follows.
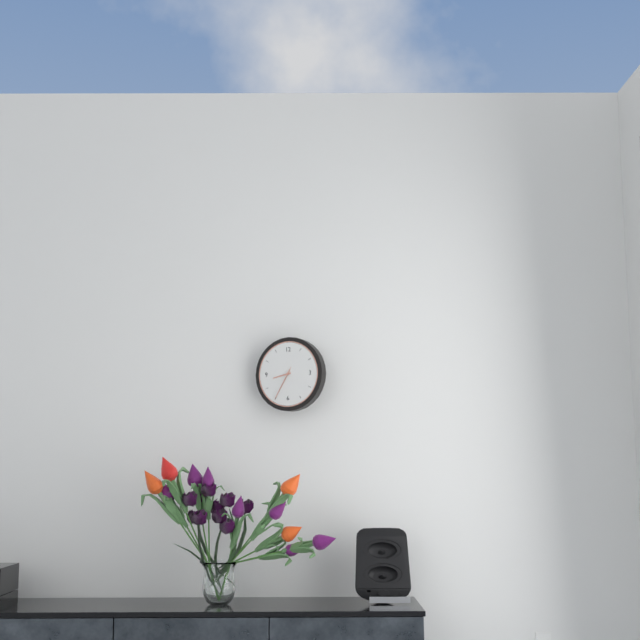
8:35
